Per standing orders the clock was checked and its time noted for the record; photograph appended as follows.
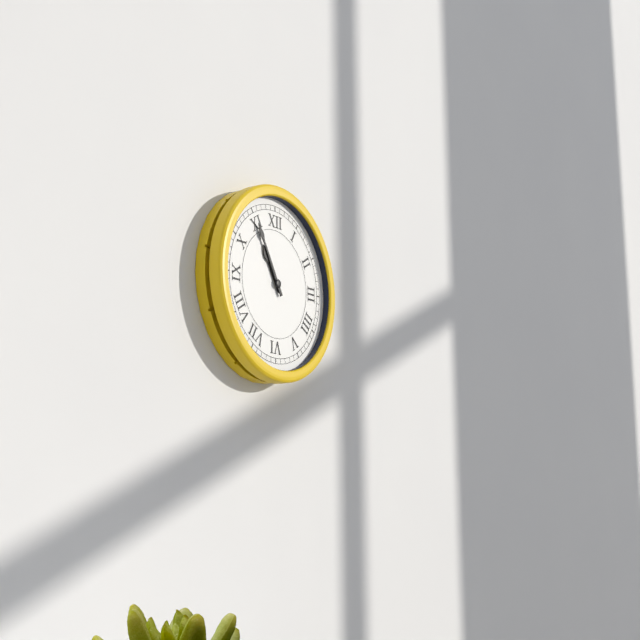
10:55
